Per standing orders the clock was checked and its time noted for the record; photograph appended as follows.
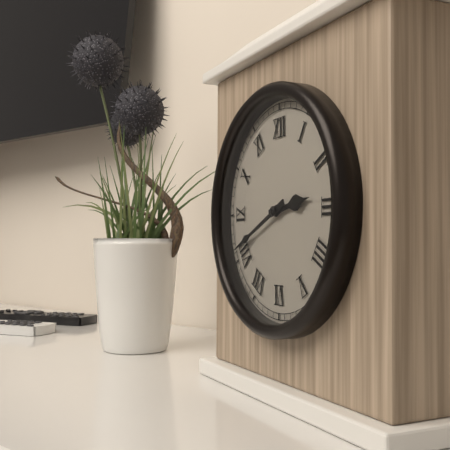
2:41
